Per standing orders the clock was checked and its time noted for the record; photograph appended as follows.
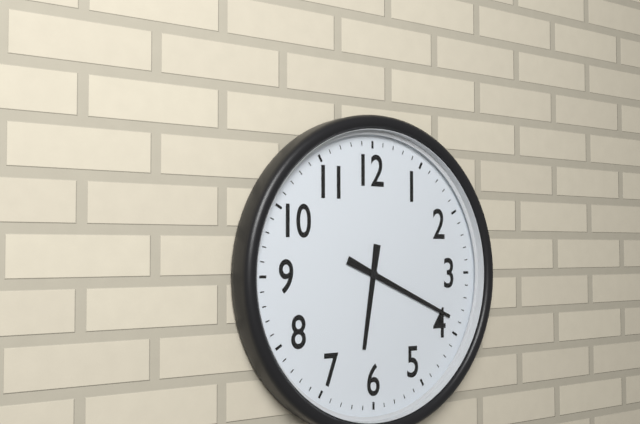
6:19
